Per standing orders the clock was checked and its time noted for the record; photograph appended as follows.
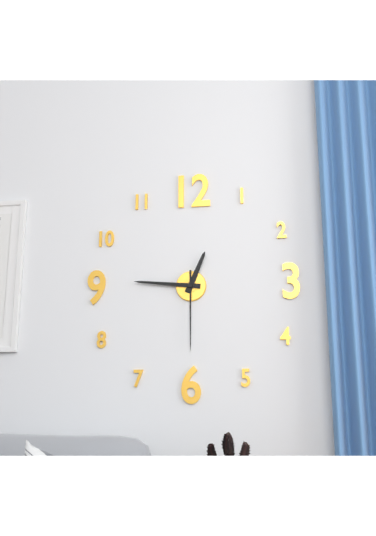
12:46:30
